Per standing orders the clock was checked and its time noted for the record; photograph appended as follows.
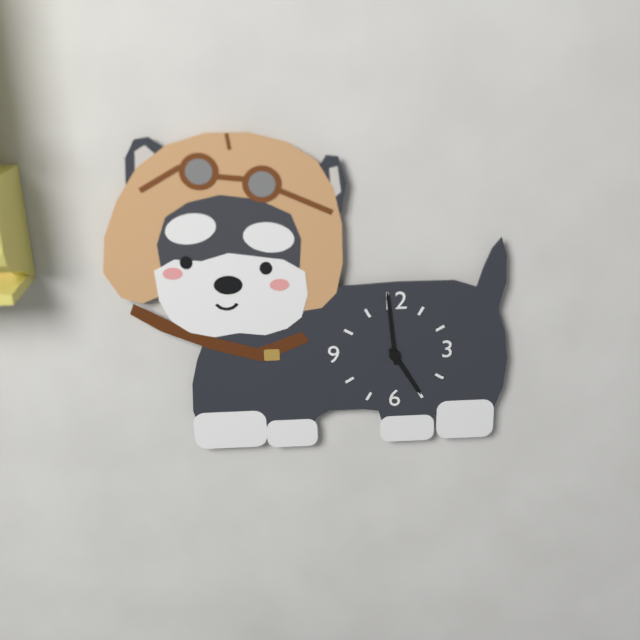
4:59
